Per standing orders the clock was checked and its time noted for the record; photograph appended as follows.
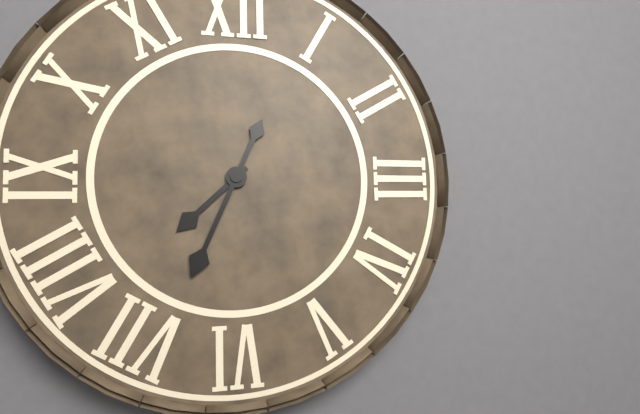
7:34
